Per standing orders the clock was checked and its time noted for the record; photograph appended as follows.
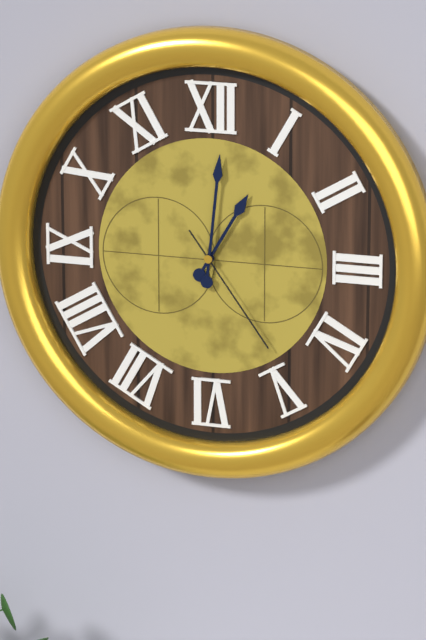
1:01:24
